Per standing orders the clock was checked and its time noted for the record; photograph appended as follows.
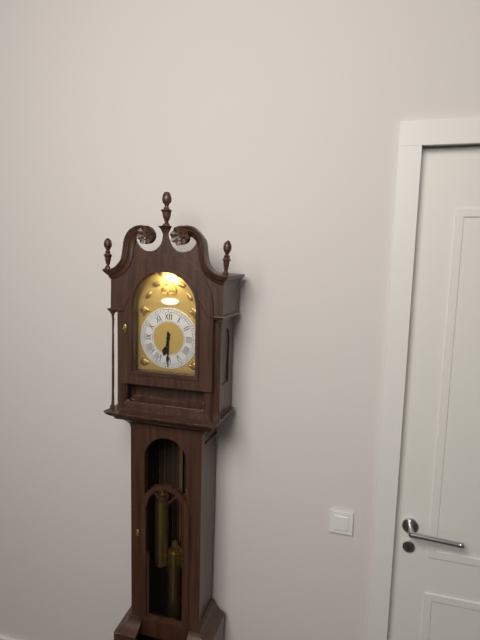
6:30
